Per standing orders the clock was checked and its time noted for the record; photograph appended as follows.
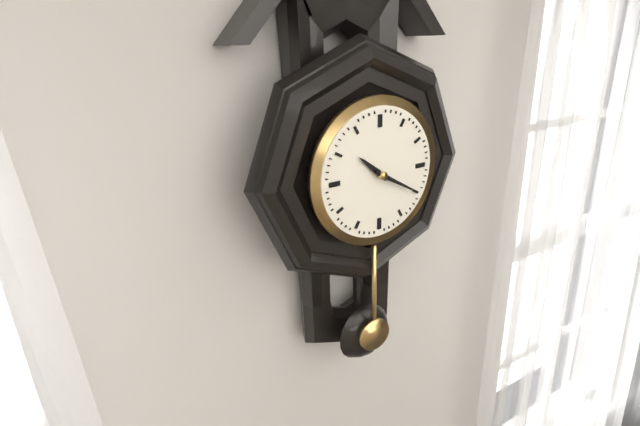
10:20
